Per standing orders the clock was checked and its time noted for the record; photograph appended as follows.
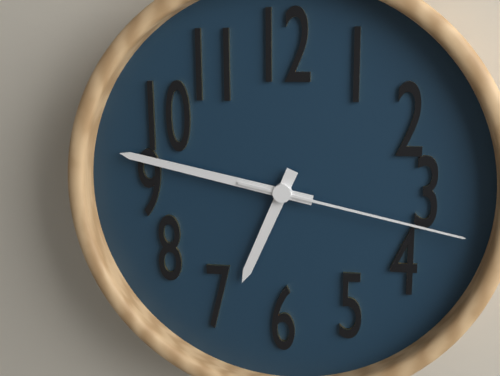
6:47:17
